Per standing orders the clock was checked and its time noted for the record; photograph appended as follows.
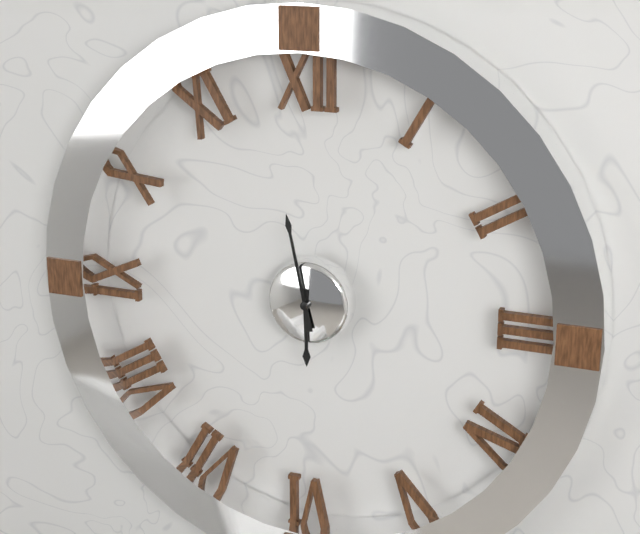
5:58
